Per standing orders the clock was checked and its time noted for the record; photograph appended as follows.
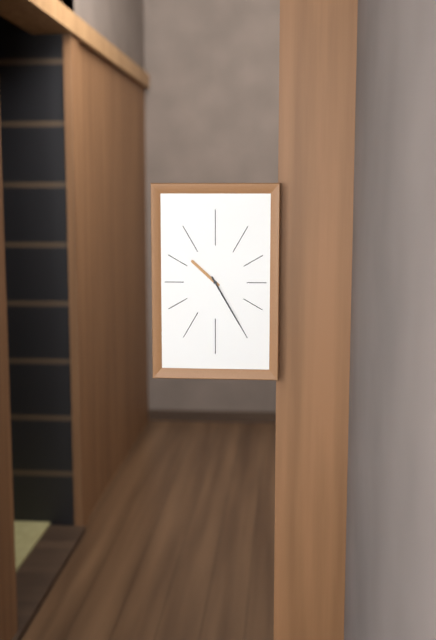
10:25
